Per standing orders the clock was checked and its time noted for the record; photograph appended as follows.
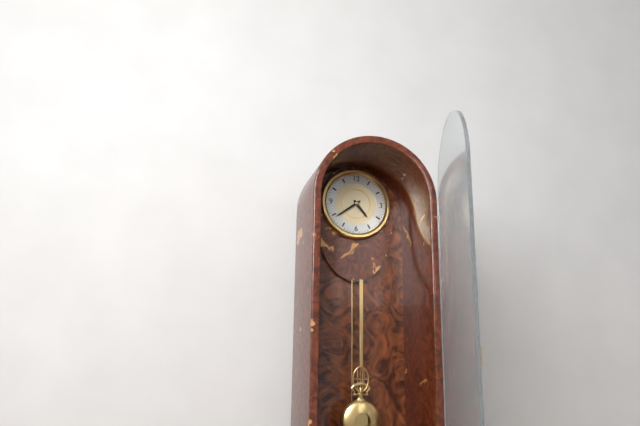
4:39
